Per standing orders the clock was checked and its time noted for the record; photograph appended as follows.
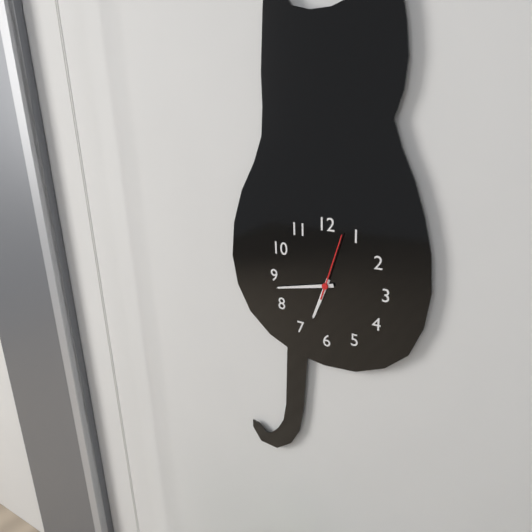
6:43:03
